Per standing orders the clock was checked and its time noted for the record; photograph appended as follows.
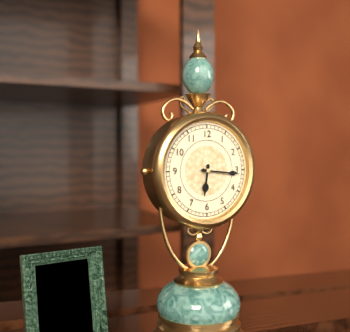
6:16
